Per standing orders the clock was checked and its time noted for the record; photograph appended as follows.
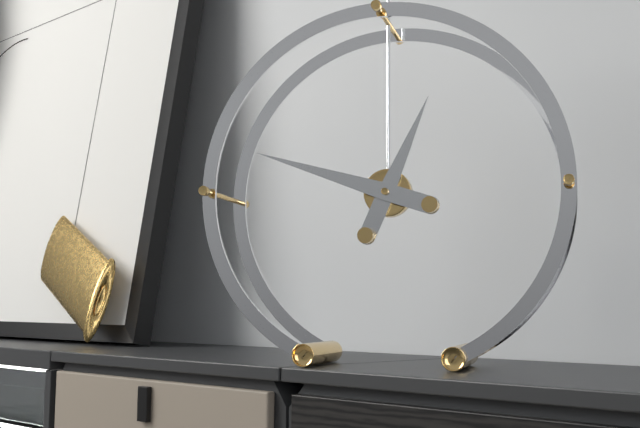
12:48
